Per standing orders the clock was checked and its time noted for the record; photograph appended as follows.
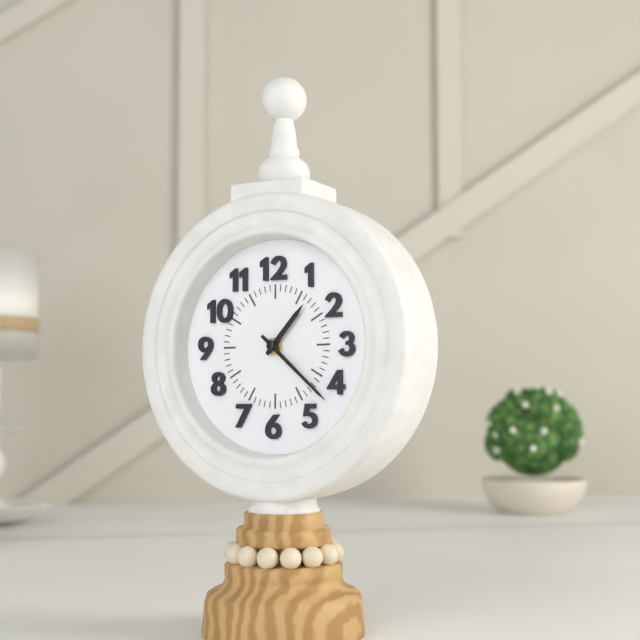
1:22
